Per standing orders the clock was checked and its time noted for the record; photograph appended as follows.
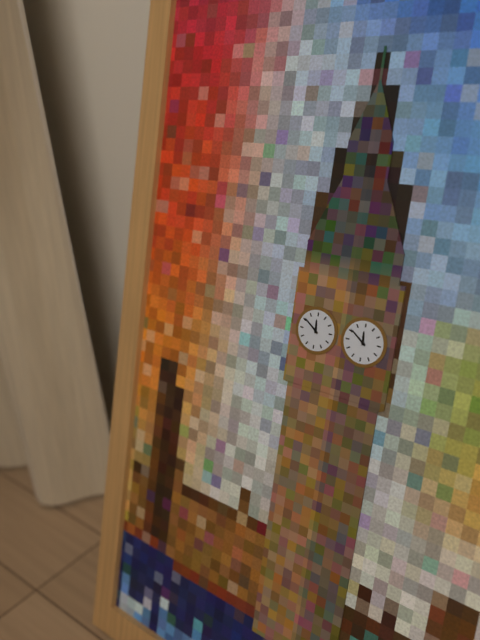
11:51
